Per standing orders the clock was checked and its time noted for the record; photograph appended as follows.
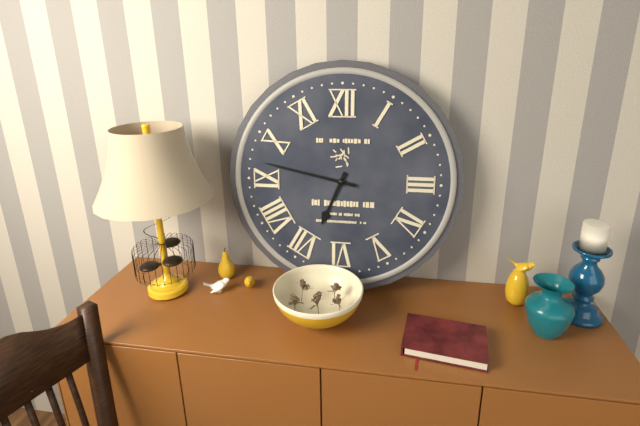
6:47
